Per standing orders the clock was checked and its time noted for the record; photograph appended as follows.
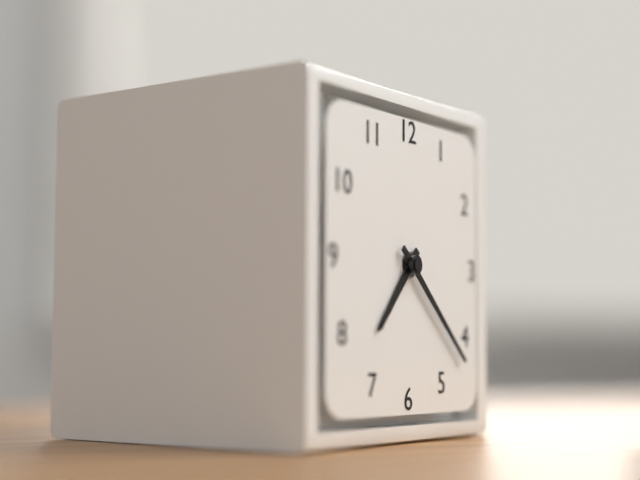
7:22
